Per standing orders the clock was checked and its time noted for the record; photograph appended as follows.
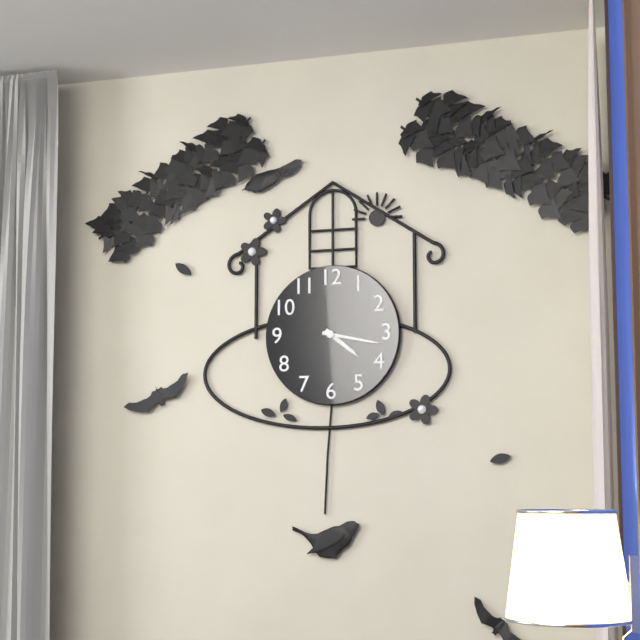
4:17
